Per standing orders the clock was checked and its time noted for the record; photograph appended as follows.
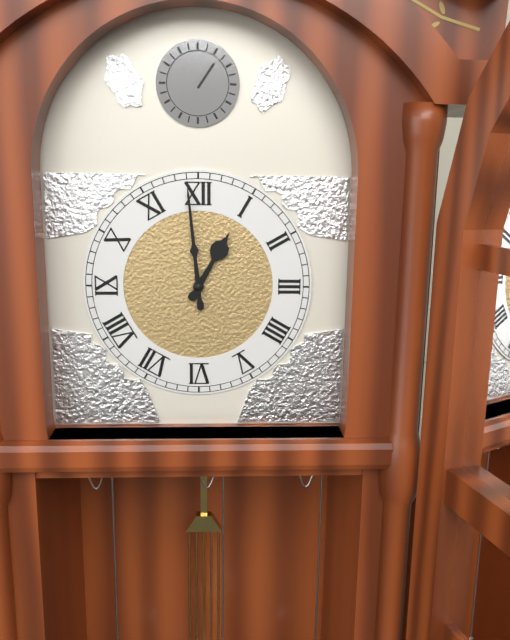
12:59
